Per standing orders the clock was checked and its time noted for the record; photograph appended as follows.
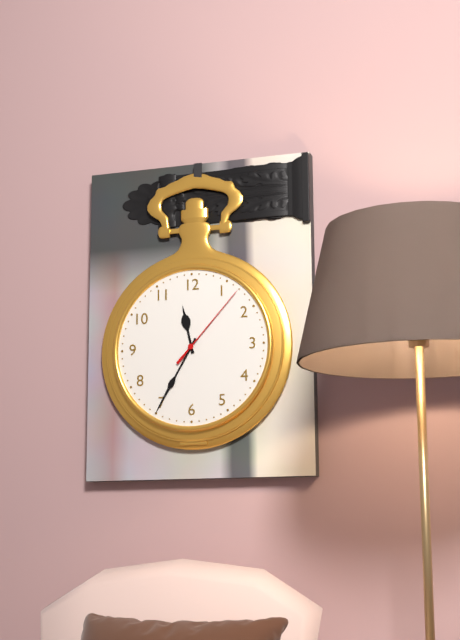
11:35:07
